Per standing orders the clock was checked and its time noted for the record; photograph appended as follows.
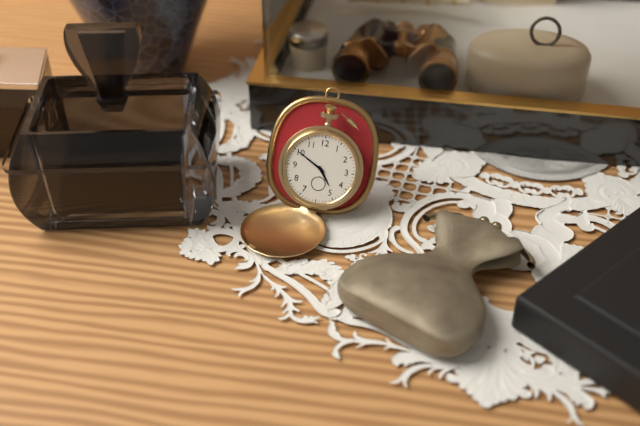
4:50
